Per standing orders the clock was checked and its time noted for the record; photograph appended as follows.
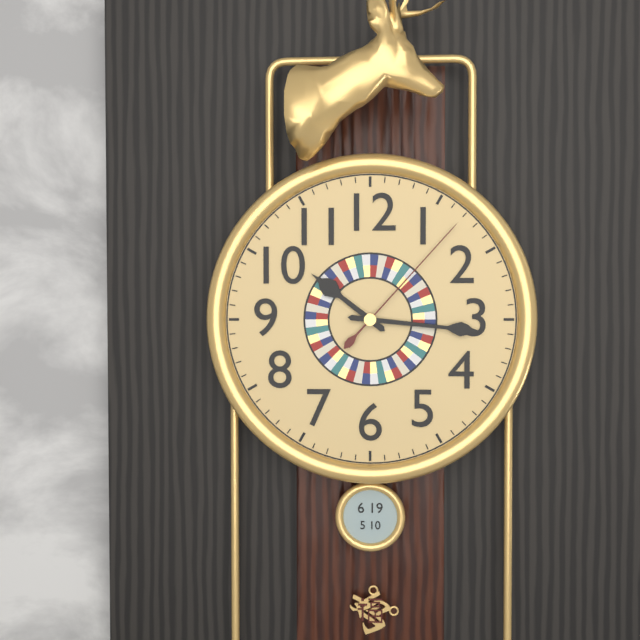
10:16:07
